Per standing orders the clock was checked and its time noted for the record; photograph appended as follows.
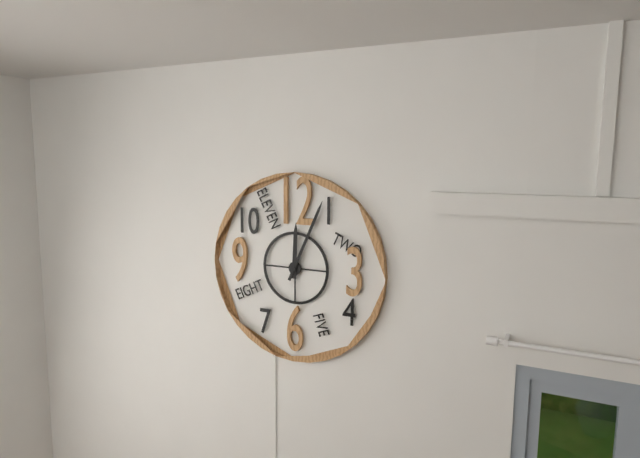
12:04
